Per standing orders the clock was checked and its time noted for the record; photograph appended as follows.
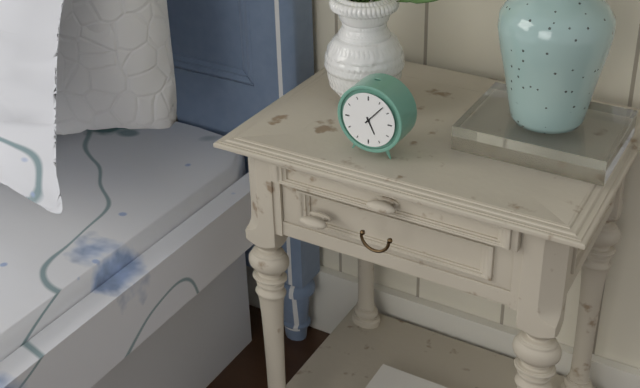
5:07
